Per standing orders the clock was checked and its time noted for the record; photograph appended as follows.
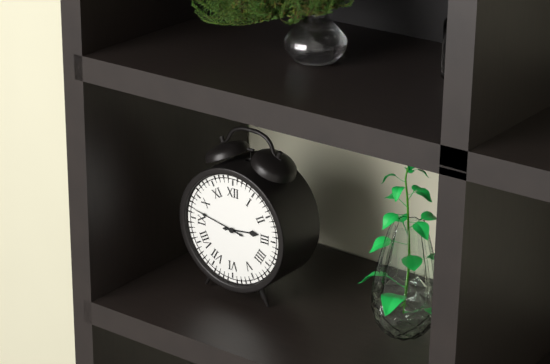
2:47
